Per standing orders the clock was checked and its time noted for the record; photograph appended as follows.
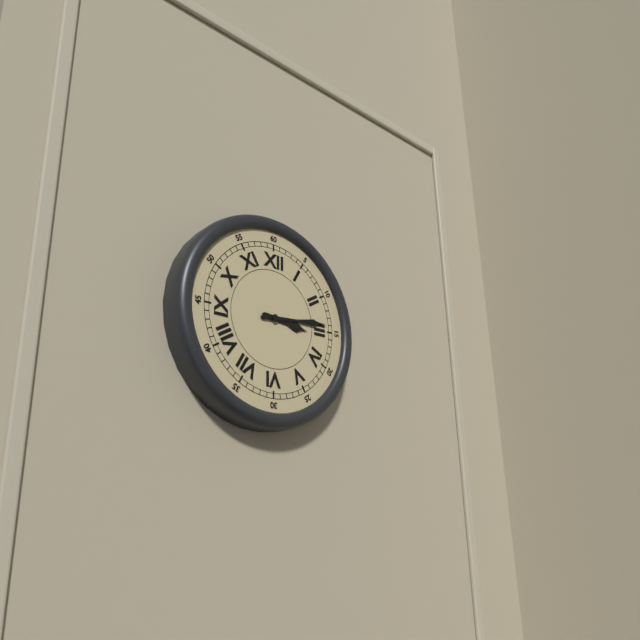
3:14
